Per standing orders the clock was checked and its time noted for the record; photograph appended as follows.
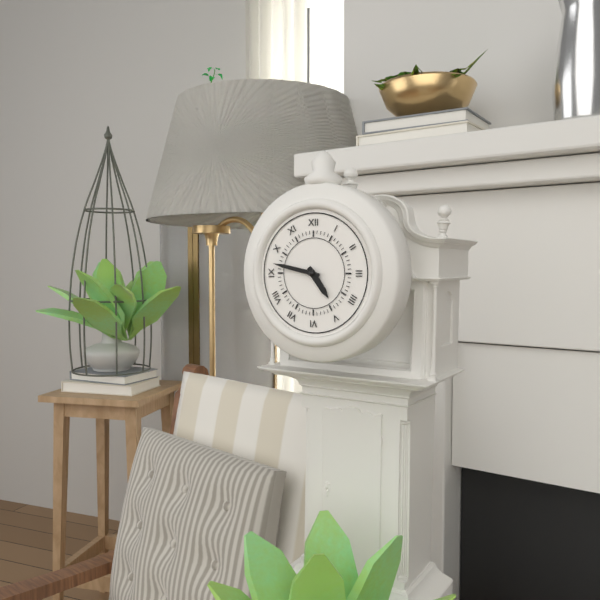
4:47
